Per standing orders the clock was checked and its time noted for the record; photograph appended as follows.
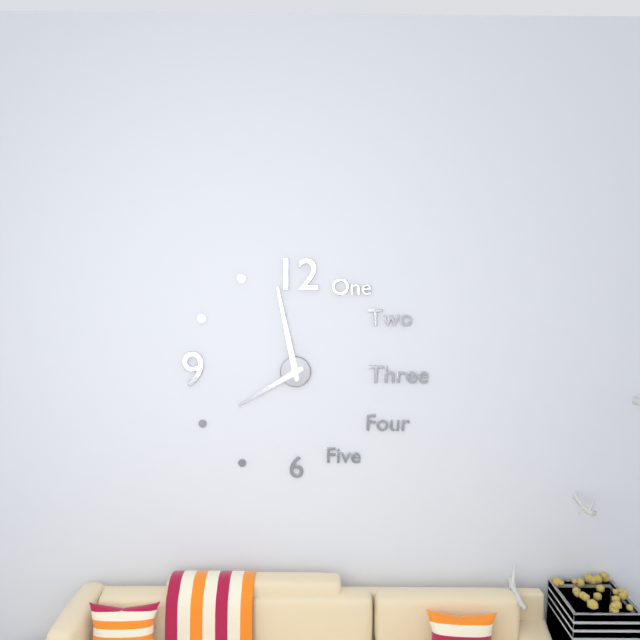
7:58
